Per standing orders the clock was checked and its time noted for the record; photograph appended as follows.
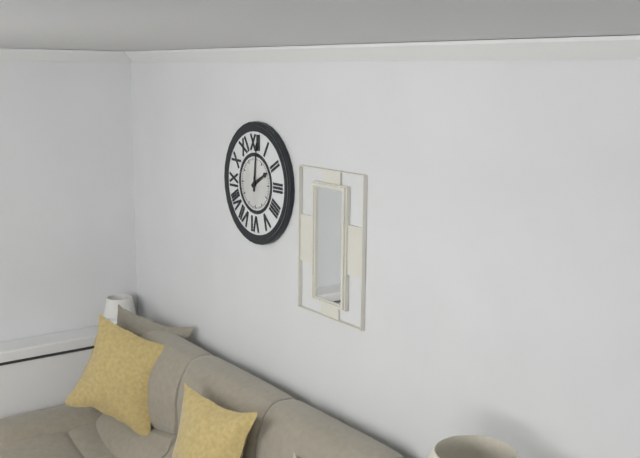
2:01
